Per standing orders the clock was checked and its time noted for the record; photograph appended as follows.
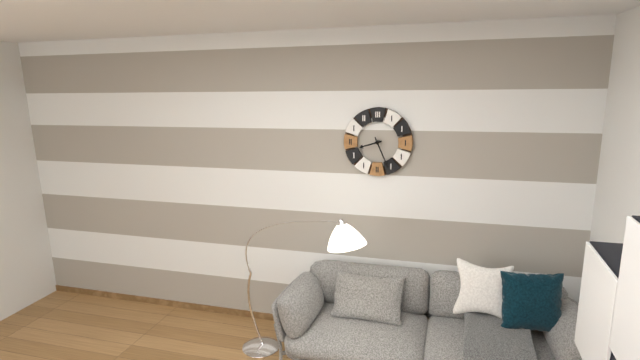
8:26
